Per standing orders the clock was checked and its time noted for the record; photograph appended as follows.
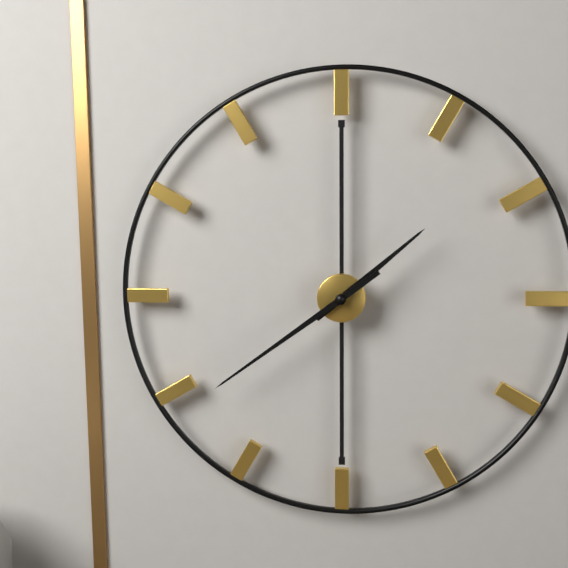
1:39
